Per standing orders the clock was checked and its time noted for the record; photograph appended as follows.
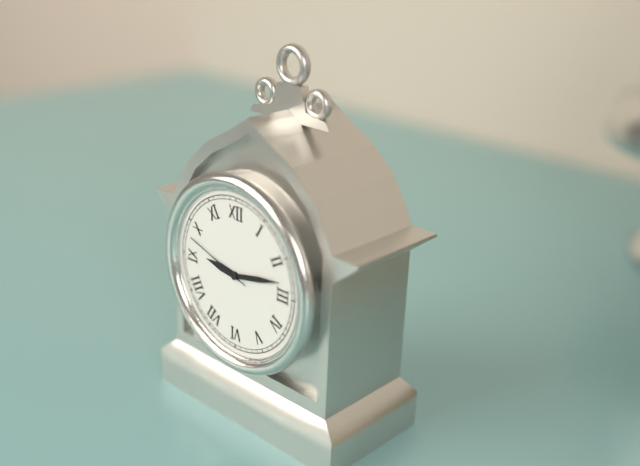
9:13:48
